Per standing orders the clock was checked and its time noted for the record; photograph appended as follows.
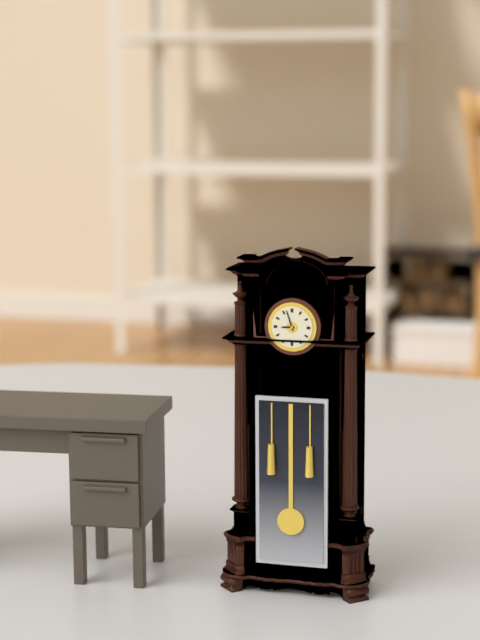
8:57
